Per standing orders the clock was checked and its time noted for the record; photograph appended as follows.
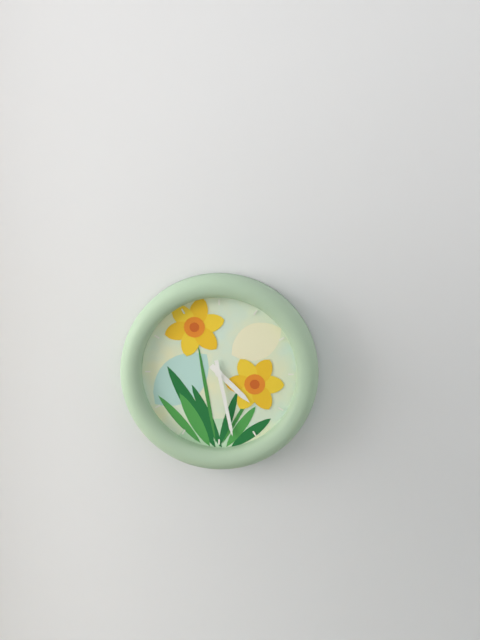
4:28
